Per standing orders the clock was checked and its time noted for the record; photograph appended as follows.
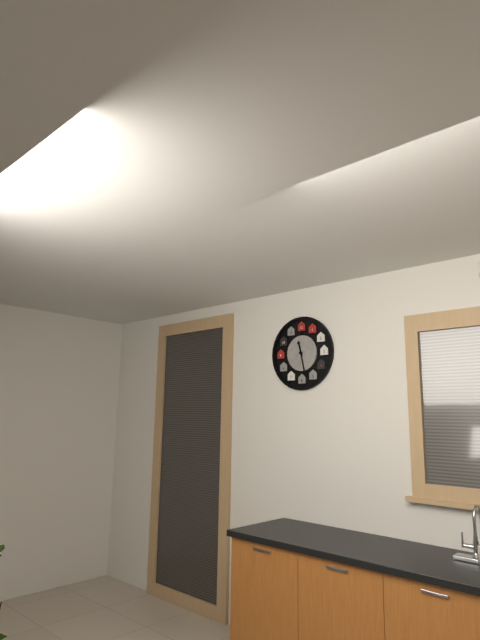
11:28
